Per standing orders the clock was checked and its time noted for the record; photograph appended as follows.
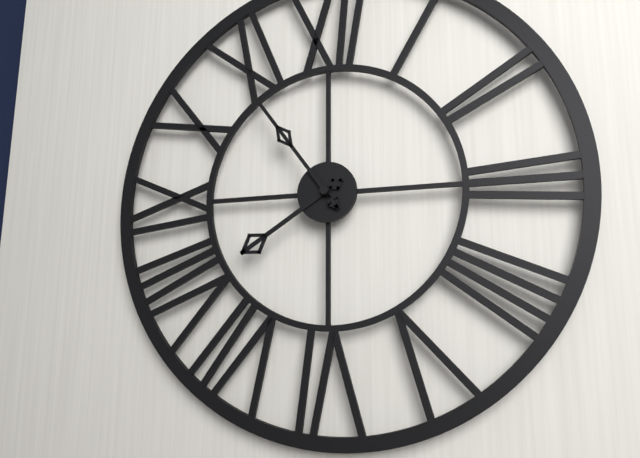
7:54
